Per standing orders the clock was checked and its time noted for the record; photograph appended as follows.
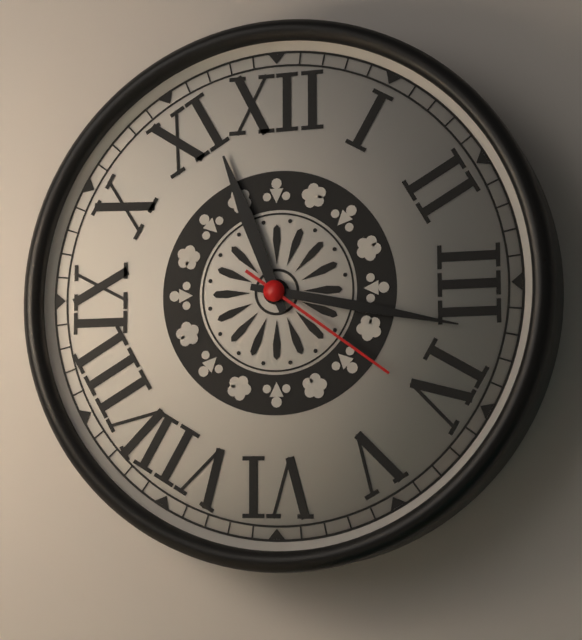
11:17:21
